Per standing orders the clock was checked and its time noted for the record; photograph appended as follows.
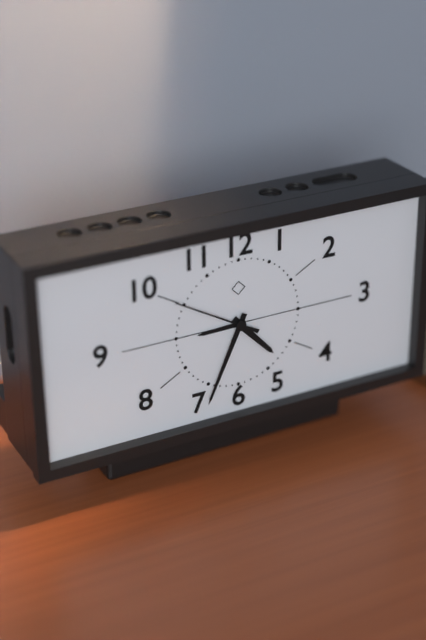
4:34:50
